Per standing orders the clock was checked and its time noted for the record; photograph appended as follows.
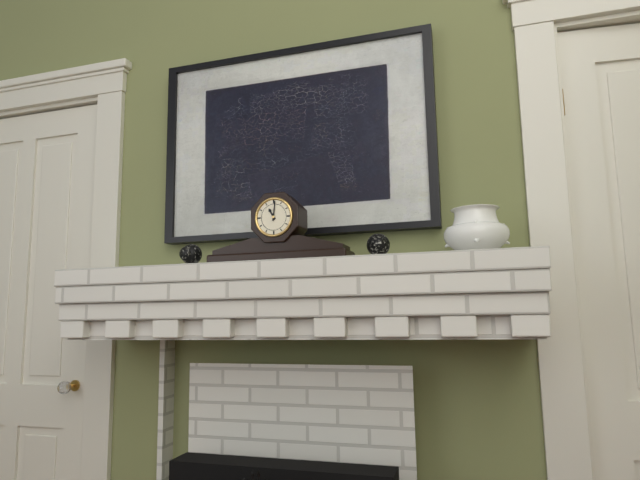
11:01
